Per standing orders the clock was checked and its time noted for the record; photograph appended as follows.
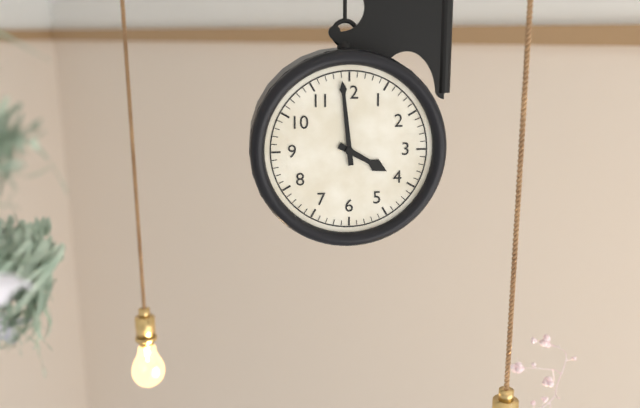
3:59
